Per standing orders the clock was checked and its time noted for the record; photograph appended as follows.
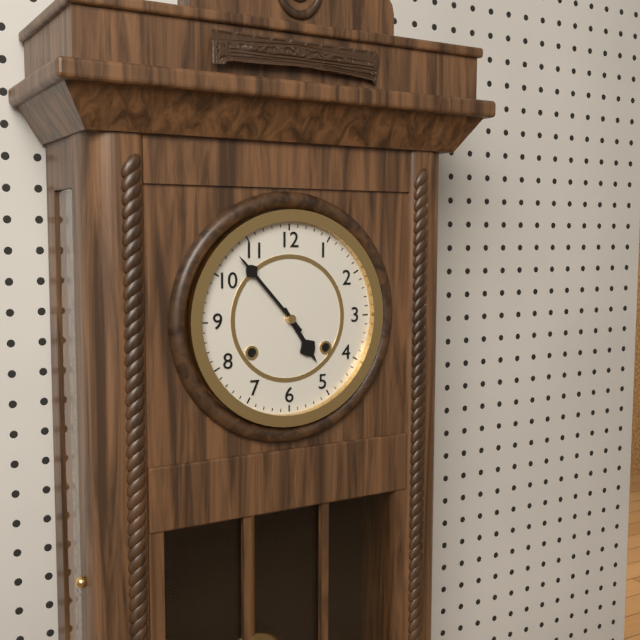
4:53
